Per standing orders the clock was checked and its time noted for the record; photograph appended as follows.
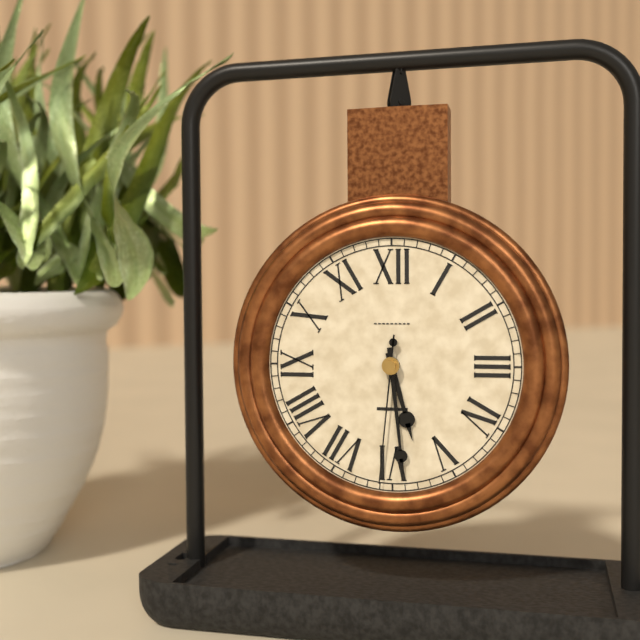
5:29:31
